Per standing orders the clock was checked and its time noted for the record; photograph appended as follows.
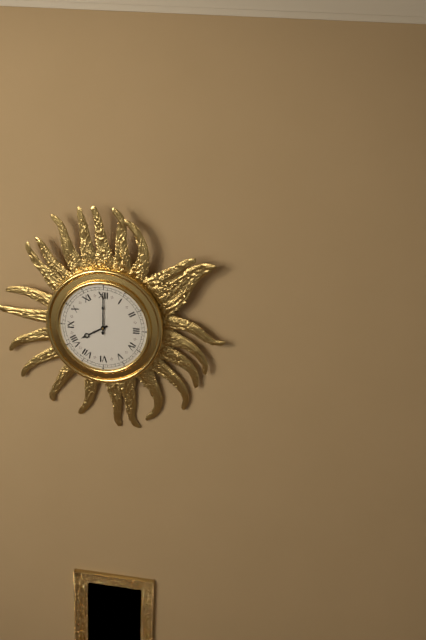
8:00
